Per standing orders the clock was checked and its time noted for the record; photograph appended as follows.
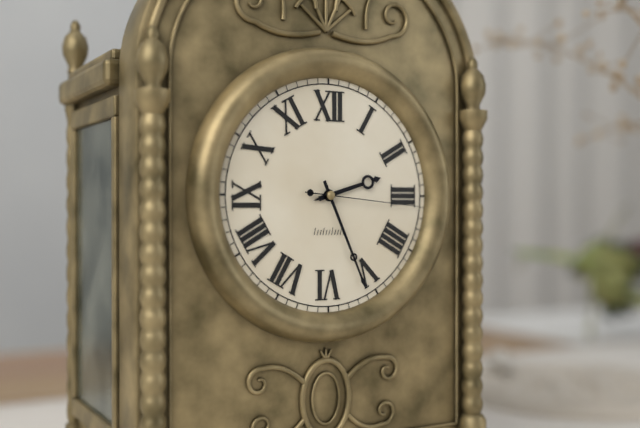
2:26:16
